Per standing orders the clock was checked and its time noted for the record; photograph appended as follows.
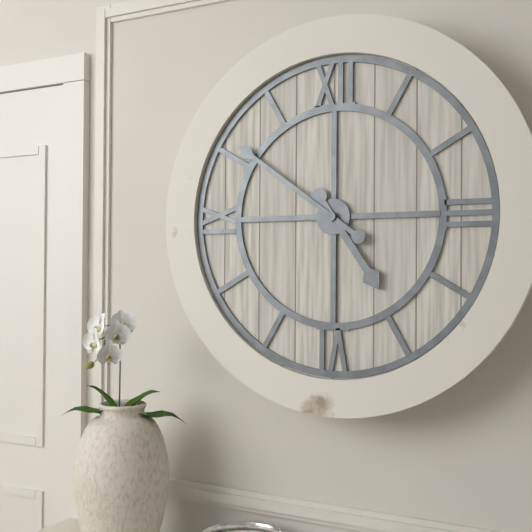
4:51
